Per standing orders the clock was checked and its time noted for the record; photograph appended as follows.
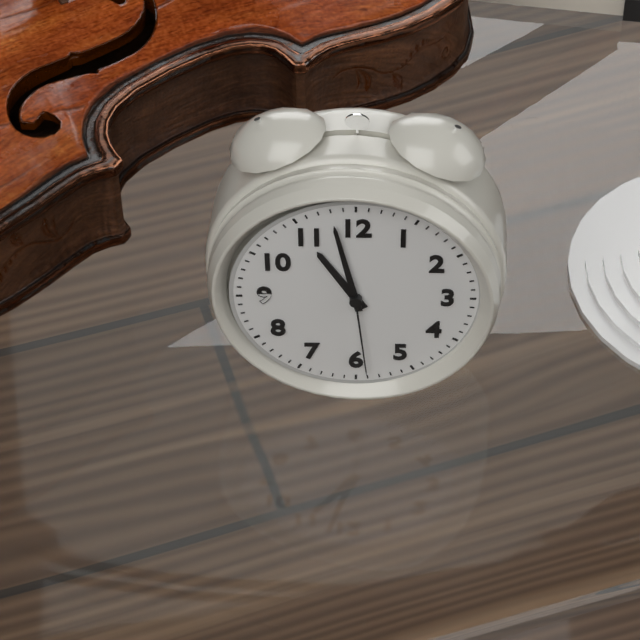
10:58:29
